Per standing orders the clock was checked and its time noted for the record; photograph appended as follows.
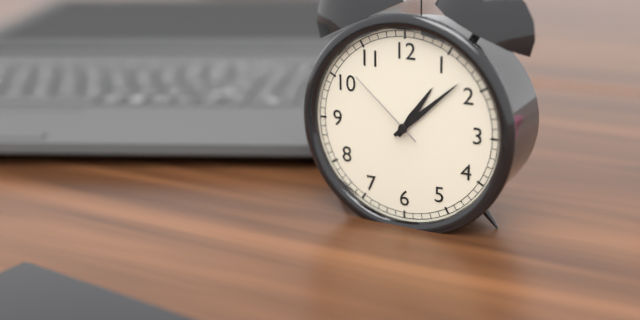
1:08:52
